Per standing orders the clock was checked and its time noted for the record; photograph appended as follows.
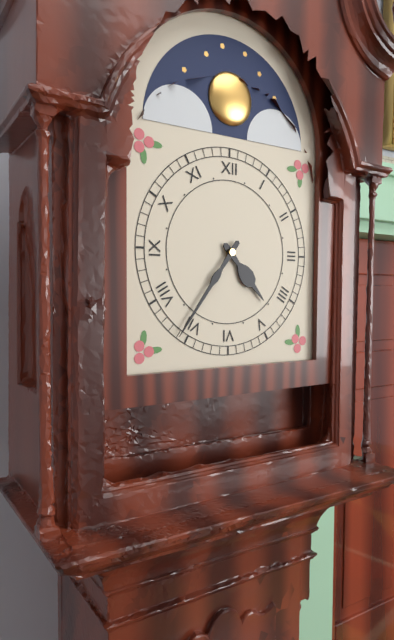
4:36
